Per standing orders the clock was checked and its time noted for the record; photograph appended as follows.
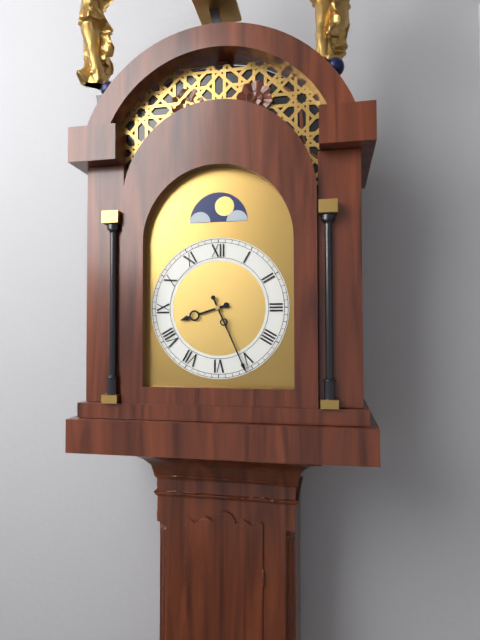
8:26
